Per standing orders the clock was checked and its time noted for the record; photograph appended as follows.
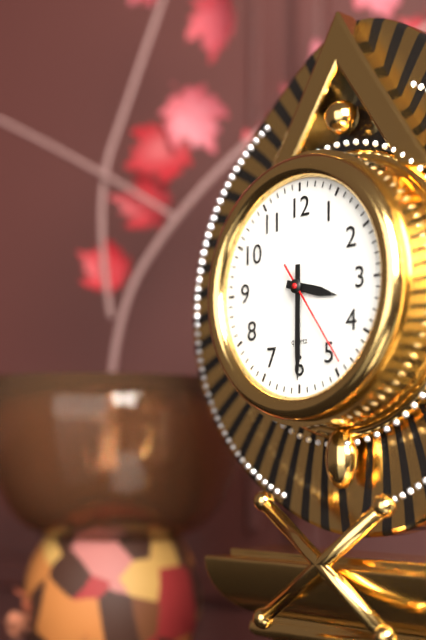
3:30:24
